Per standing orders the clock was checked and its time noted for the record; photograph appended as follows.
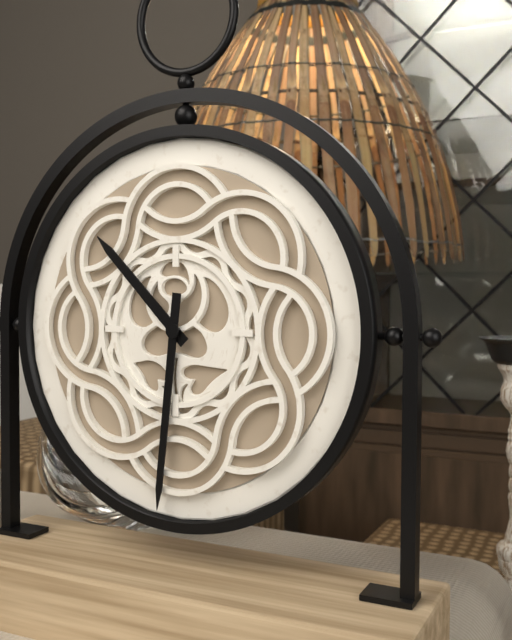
10:31
